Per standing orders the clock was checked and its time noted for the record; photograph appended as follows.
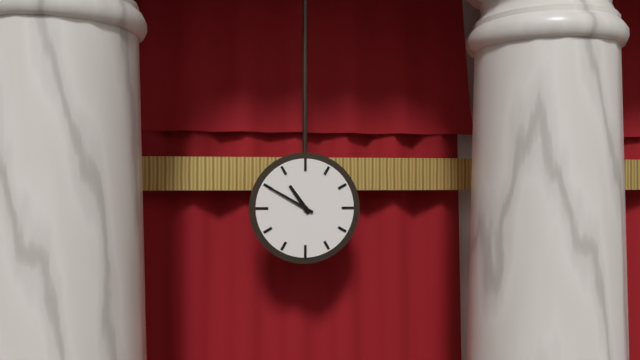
10:50
